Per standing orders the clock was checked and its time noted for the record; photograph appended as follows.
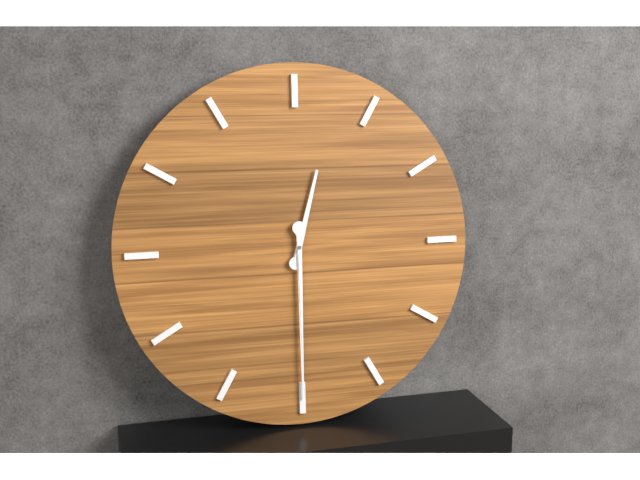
12:30
